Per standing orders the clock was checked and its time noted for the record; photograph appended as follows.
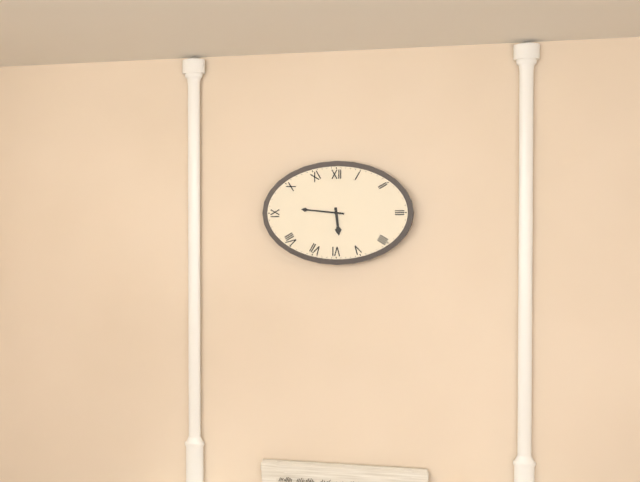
5:46
